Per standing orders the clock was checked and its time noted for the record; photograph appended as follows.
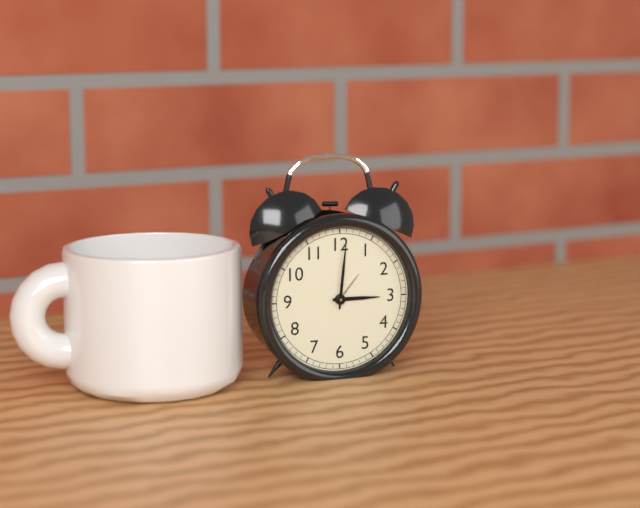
3:01
